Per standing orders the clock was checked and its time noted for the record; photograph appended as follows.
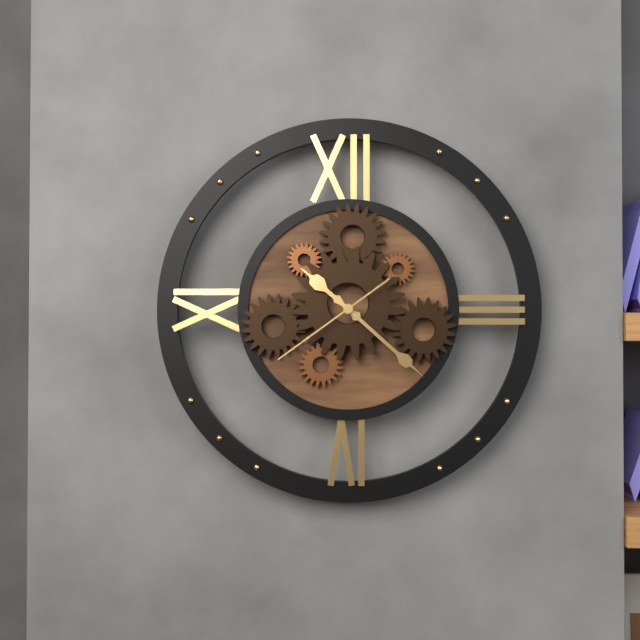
10:22:39
